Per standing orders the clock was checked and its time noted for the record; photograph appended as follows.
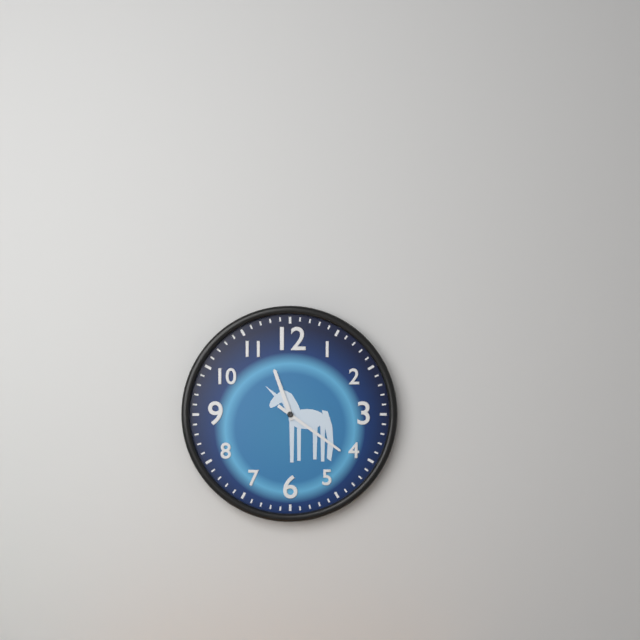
11:21
